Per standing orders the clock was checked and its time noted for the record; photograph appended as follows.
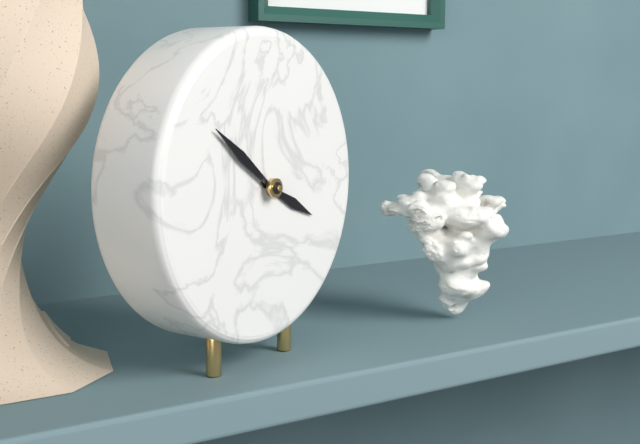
3:51
